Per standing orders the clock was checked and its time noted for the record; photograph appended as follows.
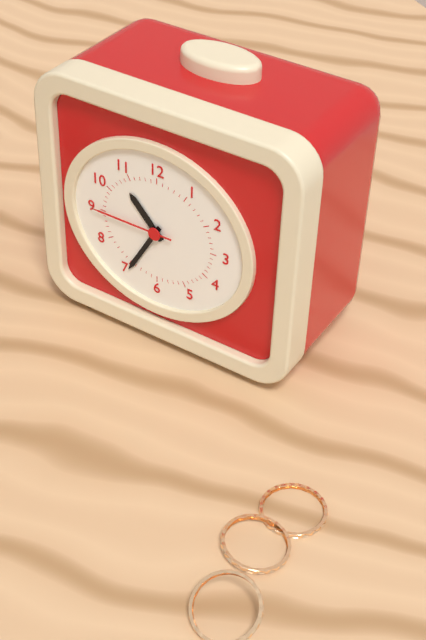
10:35:45
